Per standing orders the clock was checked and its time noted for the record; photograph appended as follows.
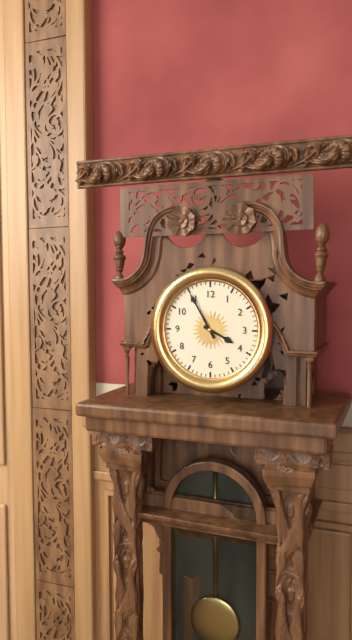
3:55
